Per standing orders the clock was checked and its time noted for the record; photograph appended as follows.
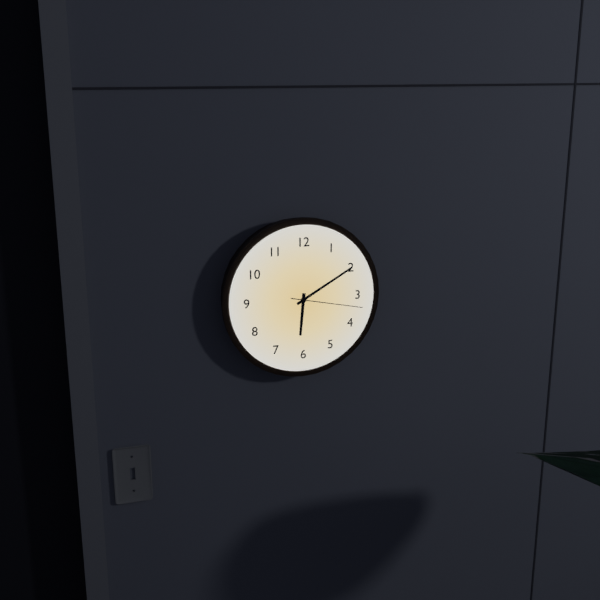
6:10:17
